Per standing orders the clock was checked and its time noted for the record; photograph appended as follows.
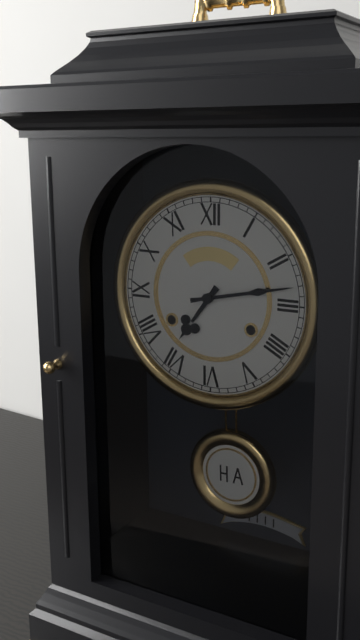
7:13
